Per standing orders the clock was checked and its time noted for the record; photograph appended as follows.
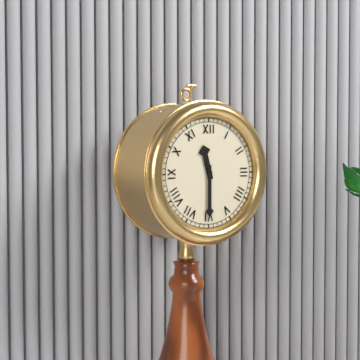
11:30
